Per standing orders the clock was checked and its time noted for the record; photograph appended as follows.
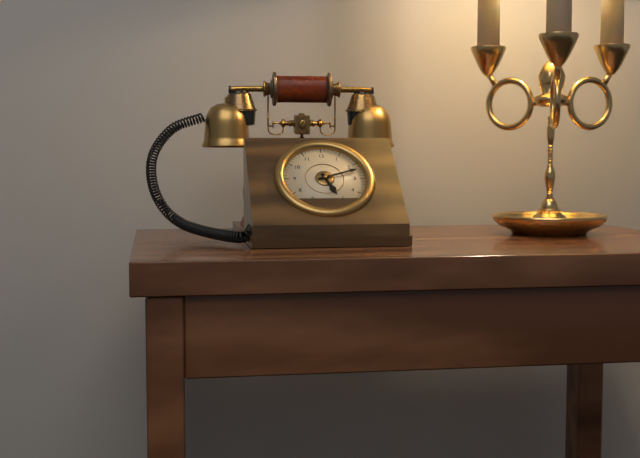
5:12
